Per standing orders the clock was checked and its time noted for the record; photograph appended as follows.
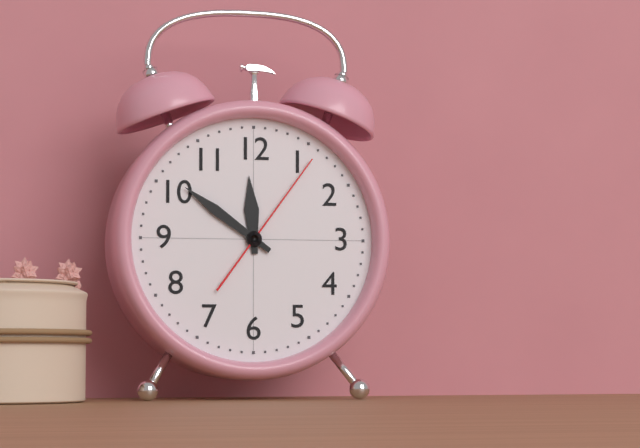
11:51:06
